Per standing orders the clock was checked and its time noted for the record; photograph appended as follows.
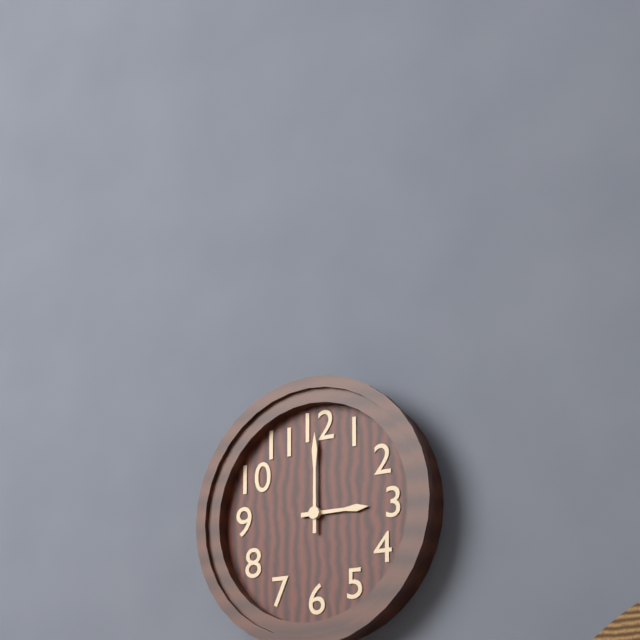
3:00
